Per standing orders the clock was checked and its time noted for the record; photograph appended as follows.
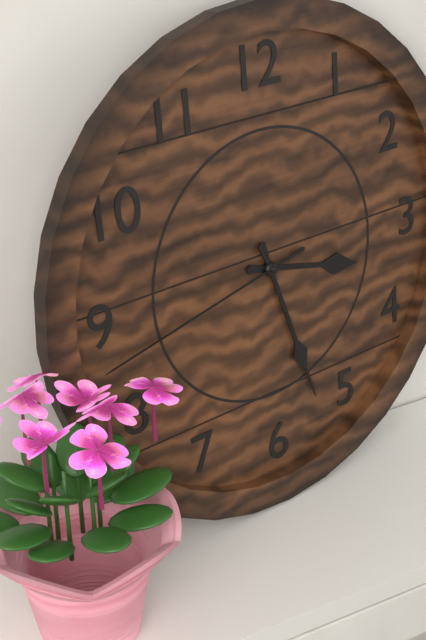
3:27:43
